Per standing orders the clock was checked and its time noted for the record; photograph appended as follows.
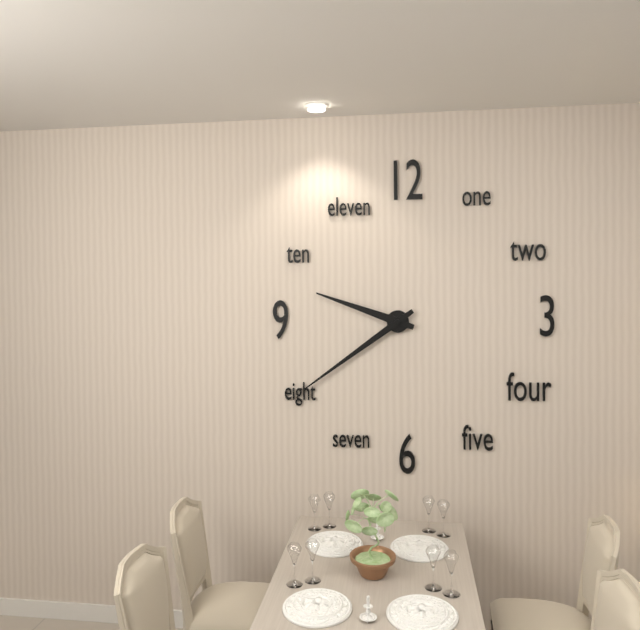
9:39
